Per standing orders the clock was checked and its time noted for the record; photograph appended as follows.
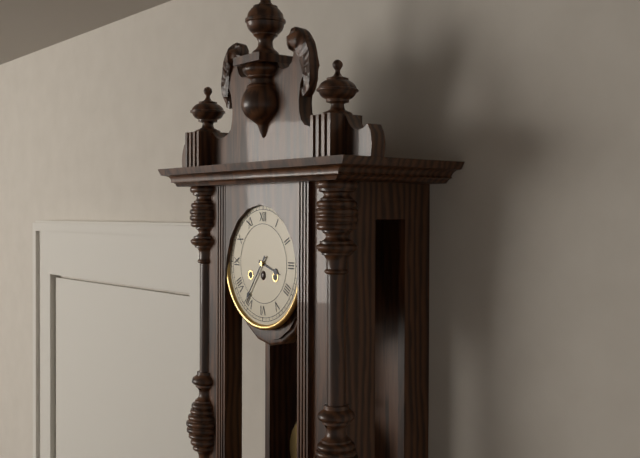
3:36
